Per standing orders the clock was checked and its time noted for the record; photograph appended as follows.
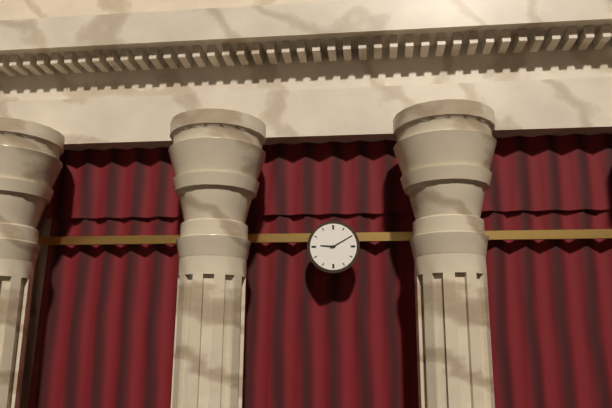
9:10
